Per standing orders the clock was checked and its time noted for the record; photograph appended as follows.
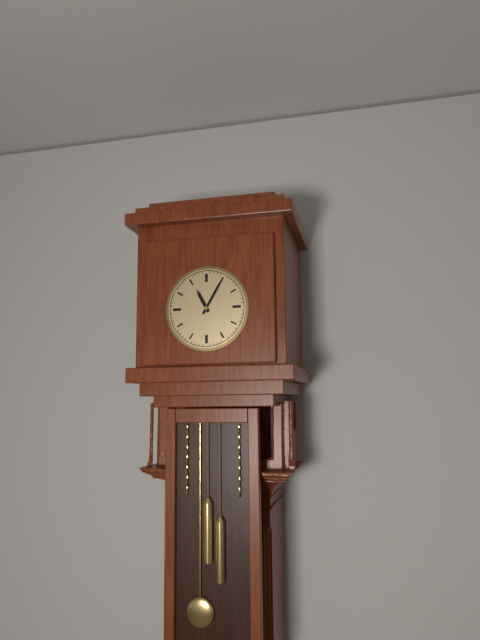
11:05
